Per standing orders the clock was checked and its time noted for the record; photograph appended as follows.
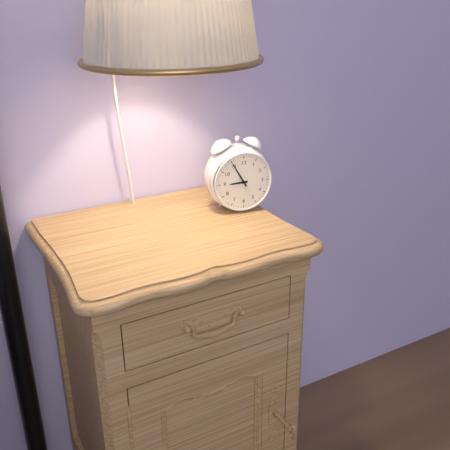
8:55
